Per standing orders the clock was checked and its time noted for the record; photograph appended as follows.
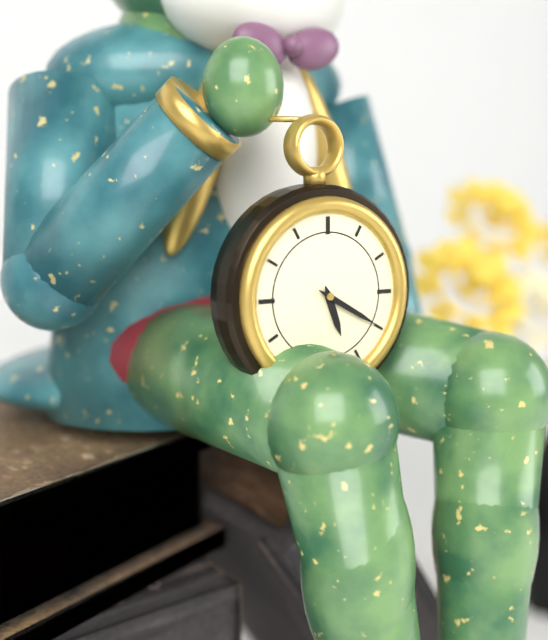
5:20
